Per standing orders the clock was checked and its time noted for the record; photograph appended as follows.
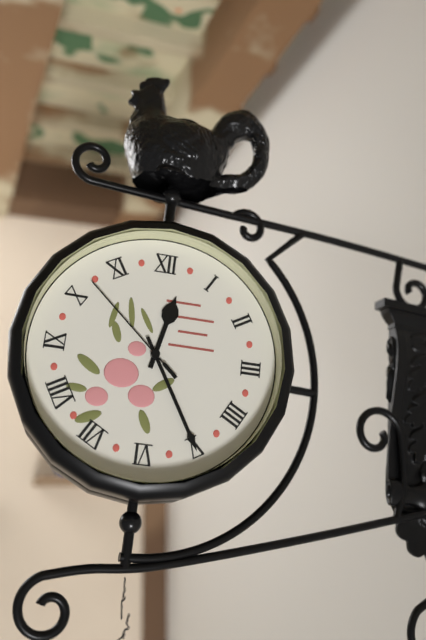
12:25:52
